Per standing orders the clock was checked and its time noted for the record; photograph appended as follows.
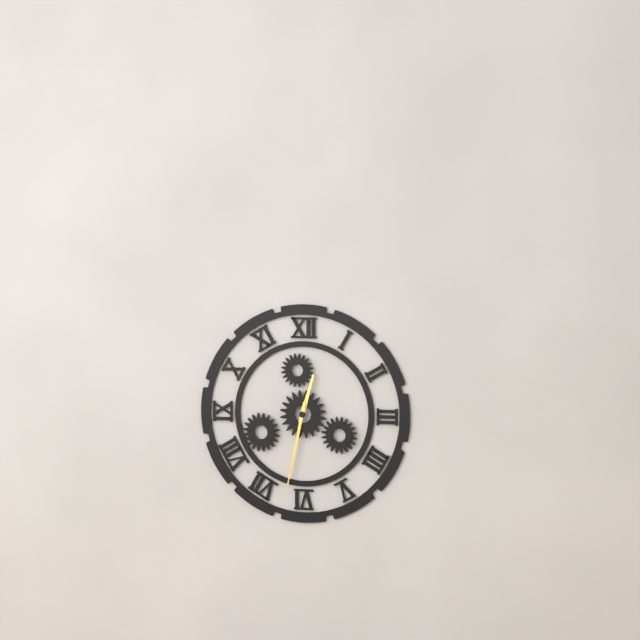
12:32
